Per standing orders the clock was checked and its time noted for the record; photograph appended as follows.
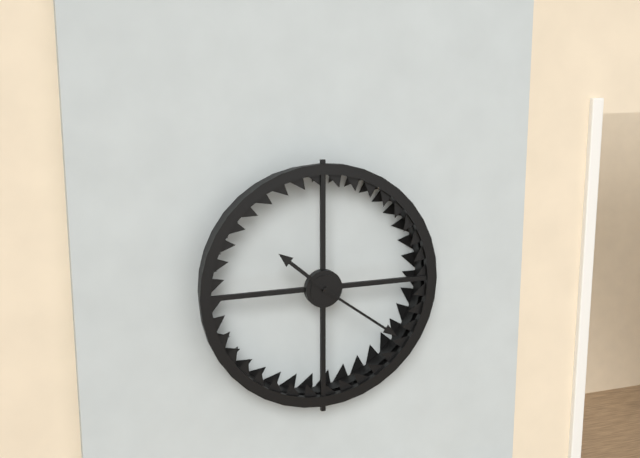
10:21
